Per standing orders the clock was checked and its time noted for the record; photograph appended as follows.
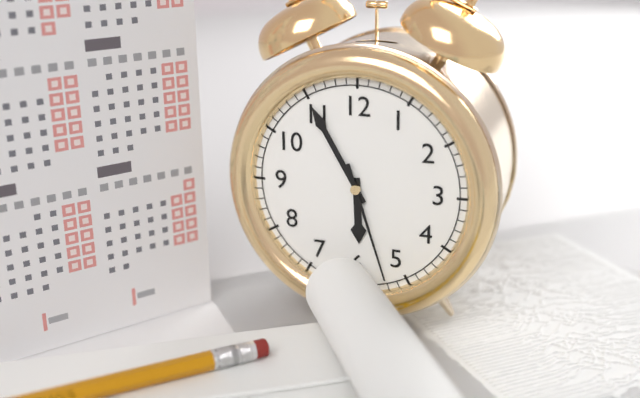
5:55:27
